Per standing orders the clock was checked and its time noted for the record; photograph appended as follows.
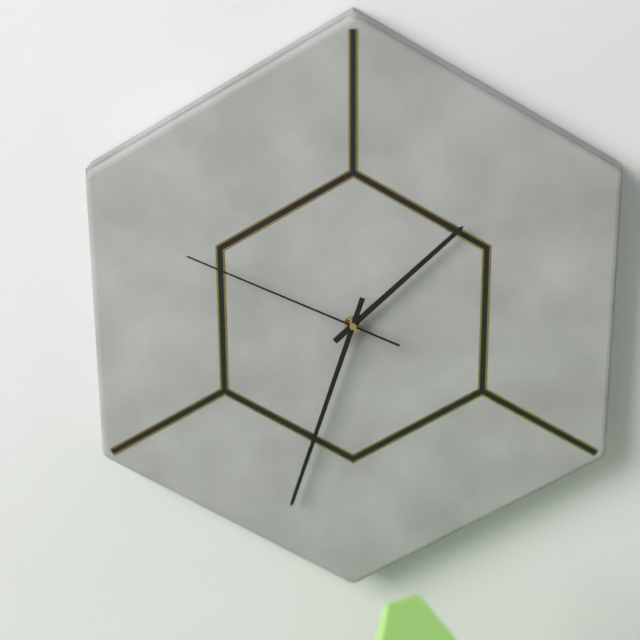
1:33:49
